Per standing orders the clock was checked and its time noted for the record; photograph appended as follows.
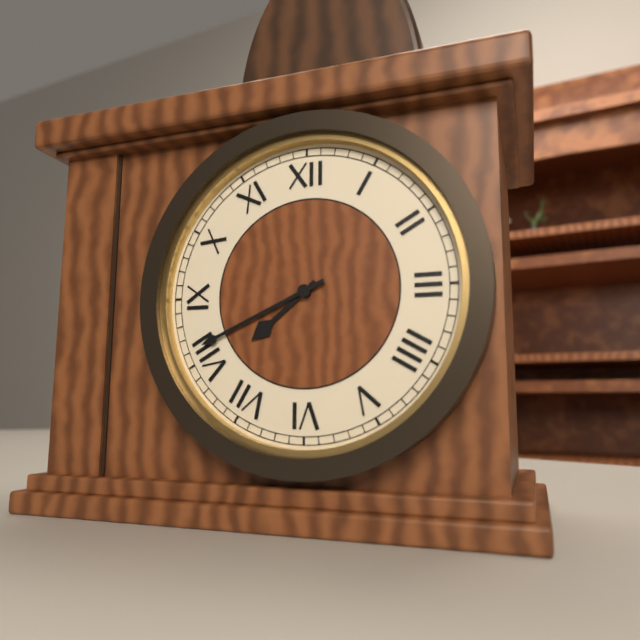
7:41
